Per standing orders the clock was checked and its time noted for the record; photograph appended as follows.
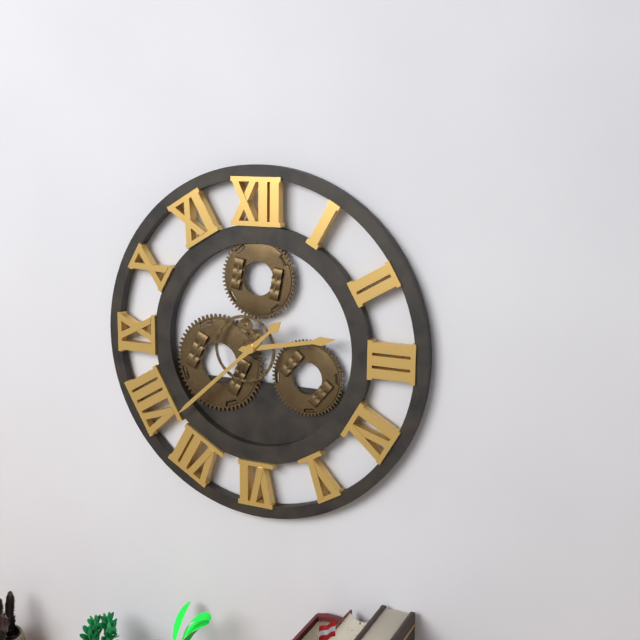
2:38
